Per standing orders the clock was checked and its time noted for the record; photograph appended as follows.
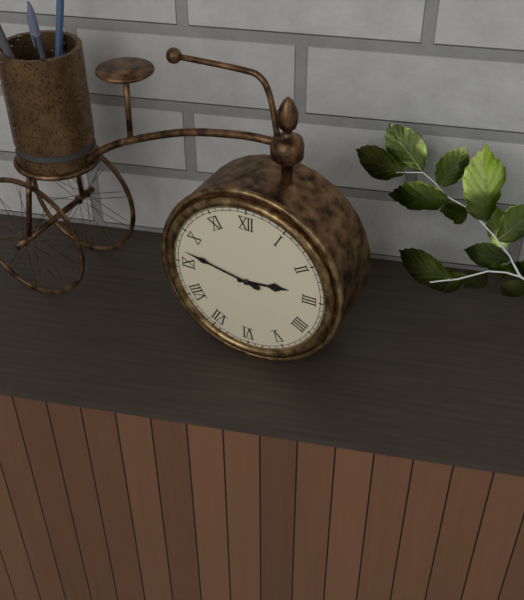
2:47
